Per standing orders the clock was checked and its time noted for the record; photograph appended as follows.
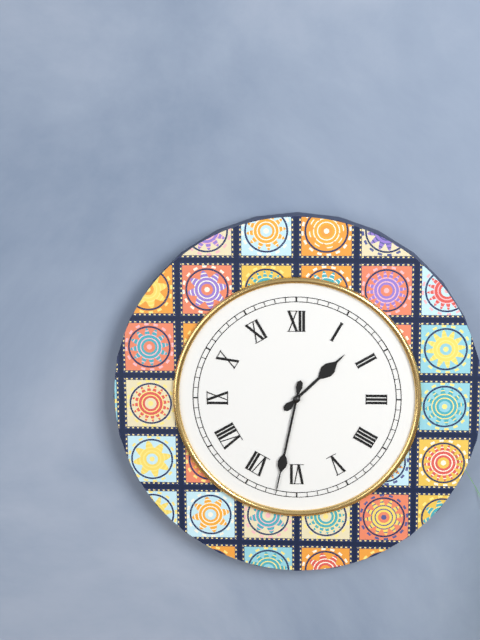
1:32
